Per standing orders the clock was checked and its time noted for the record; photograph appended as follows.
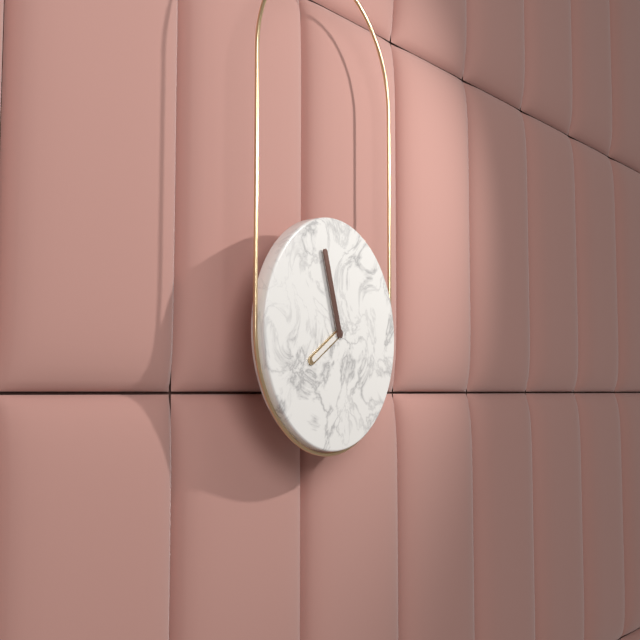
7:57
